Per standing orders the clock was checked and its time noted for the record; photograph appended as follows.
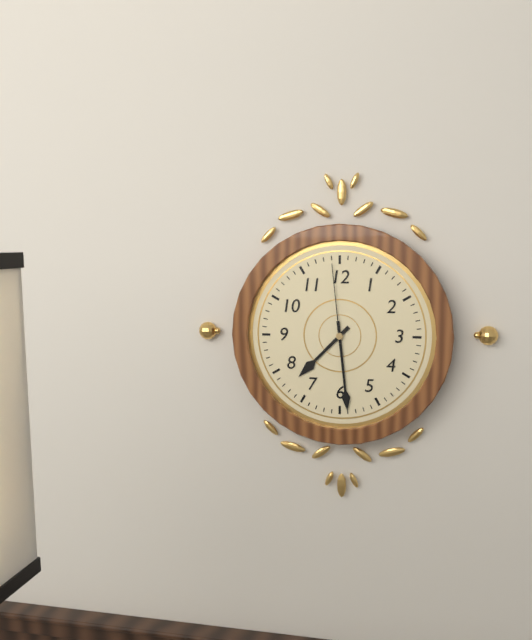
7:29:59
